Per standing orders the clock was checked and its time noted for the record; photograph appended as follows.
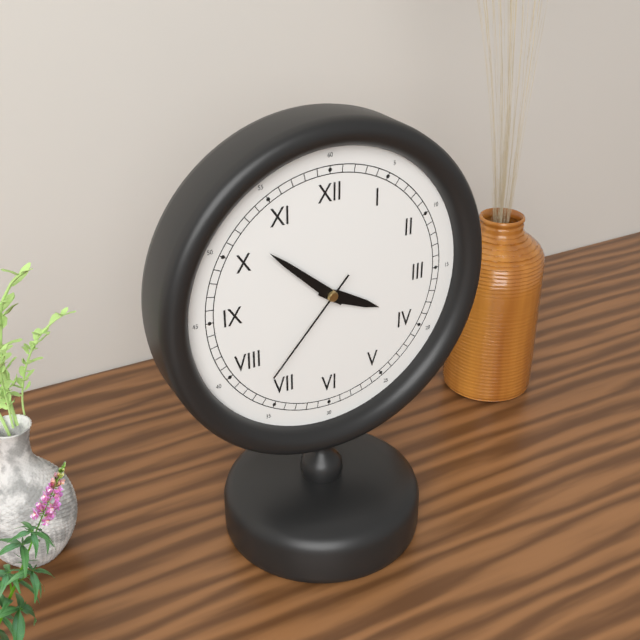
3:52:37
